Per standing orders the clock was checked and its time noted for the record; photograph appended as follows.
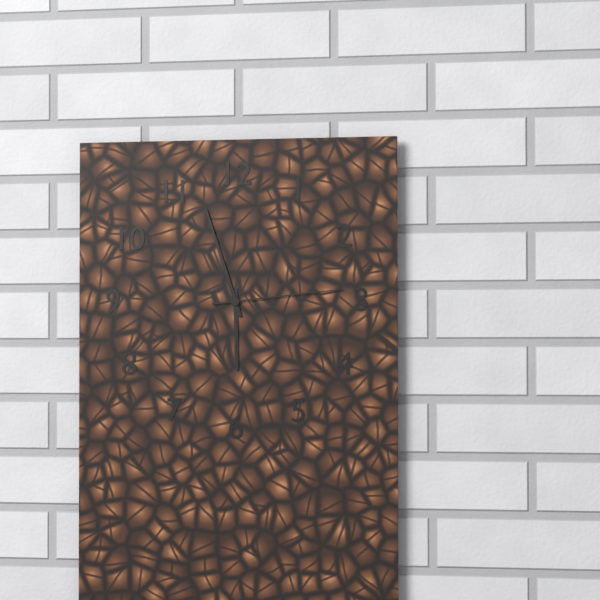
5:57:14
